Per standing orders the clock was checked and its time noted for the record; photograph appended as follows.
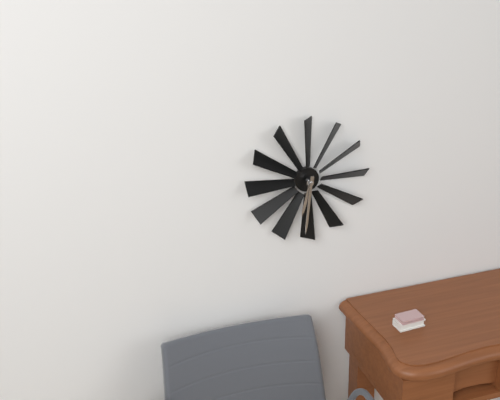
6:31
